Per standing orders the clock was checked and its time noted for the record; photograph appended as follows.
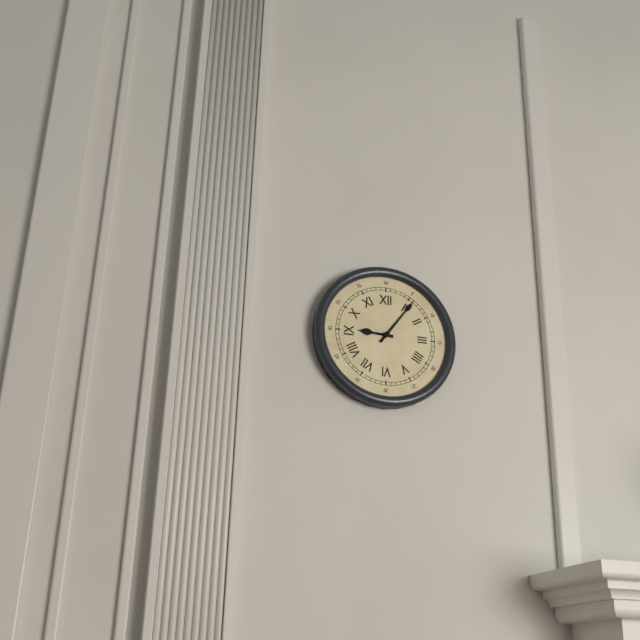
9:06
